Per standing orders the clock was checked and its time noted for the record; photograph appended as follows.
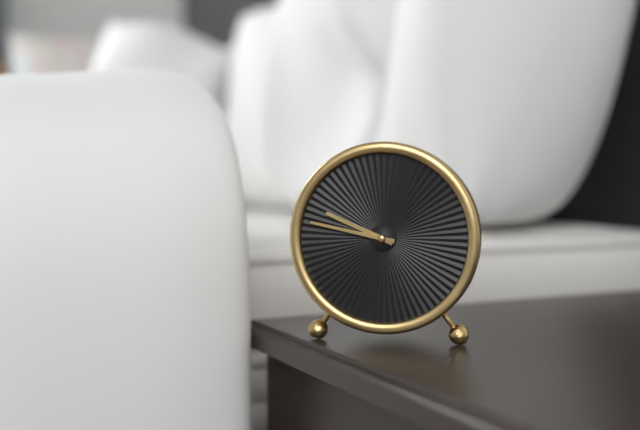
9:47
